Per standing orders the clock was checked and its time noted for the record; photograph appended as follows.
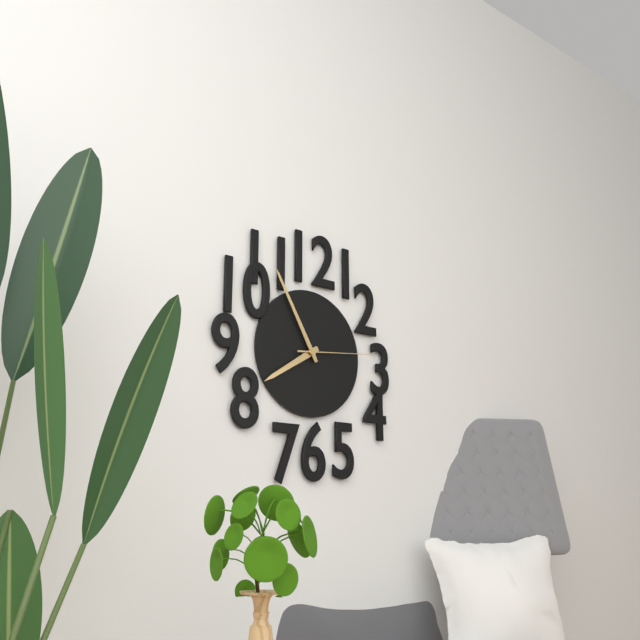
7:55:14
